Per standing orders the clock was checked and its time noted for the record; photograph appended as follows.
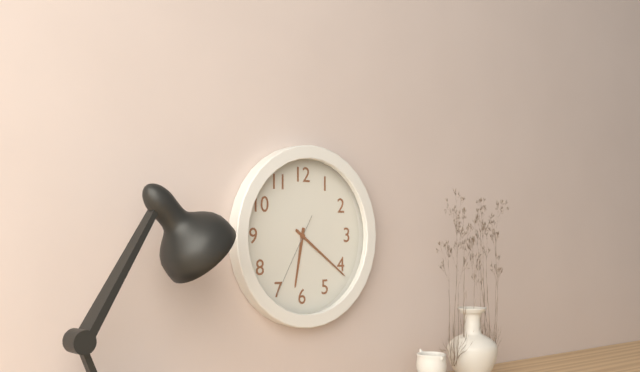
6:21:35
